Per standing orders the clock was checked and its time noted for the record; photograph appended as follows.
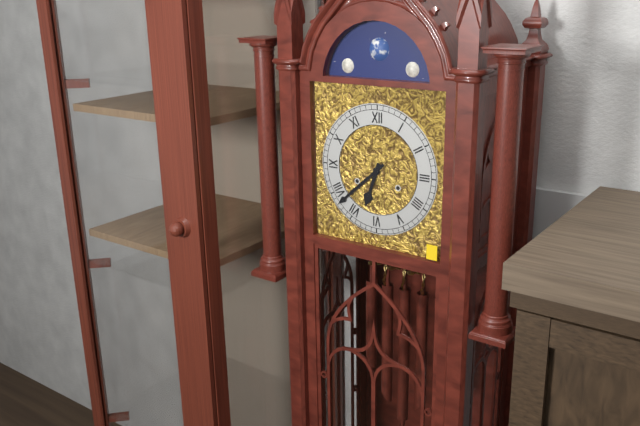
6:38
